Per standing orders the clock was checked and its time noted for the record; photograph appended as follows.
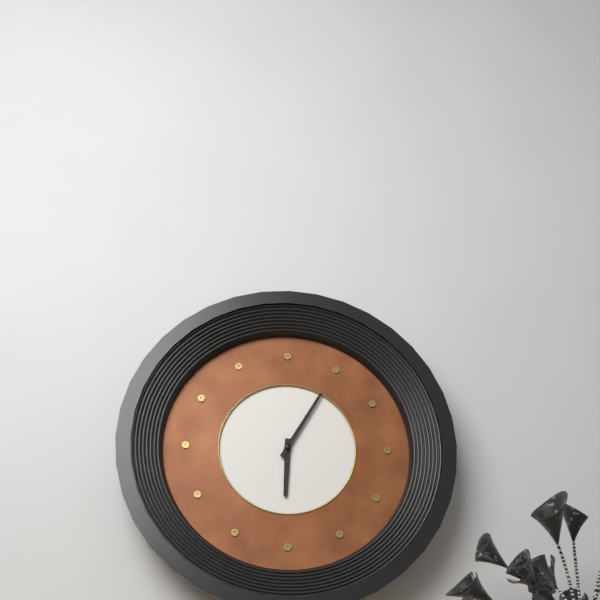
6:05
